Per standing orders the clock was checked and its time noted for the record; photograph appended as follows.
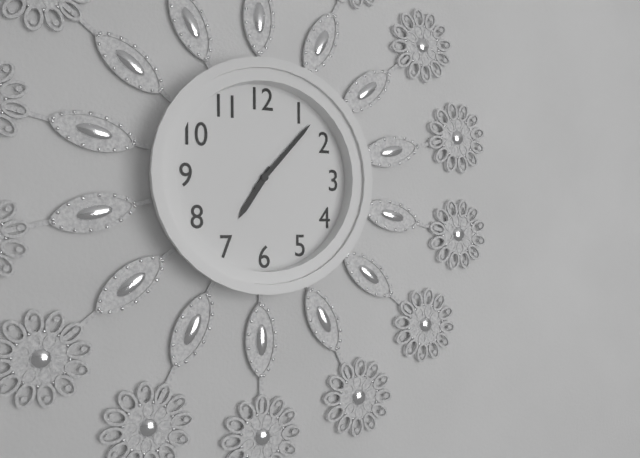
7:07
